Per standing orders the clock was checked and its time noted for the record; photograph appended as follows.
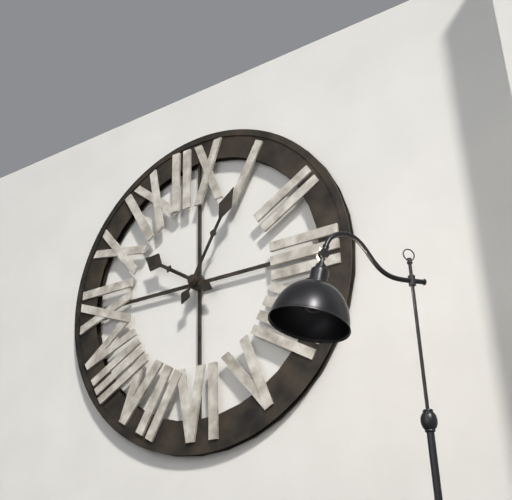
10:05
